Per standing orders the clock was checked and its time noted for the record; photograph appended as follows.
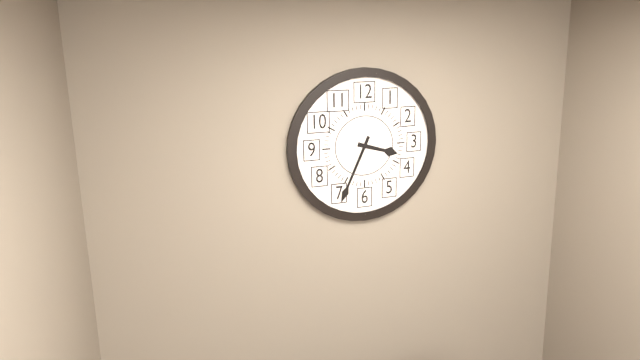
3:34
